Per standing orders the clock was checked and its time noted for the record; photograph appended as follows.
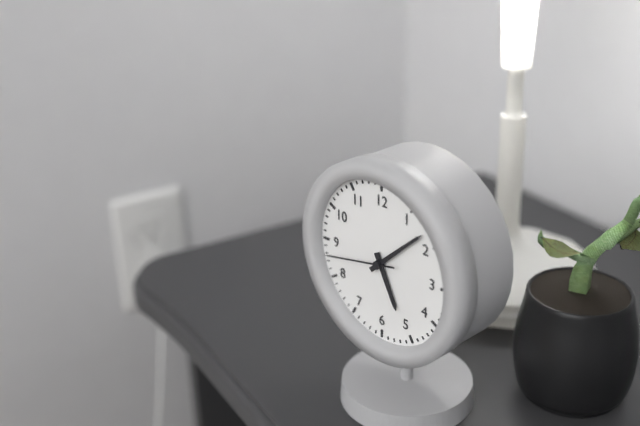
5:08:43
